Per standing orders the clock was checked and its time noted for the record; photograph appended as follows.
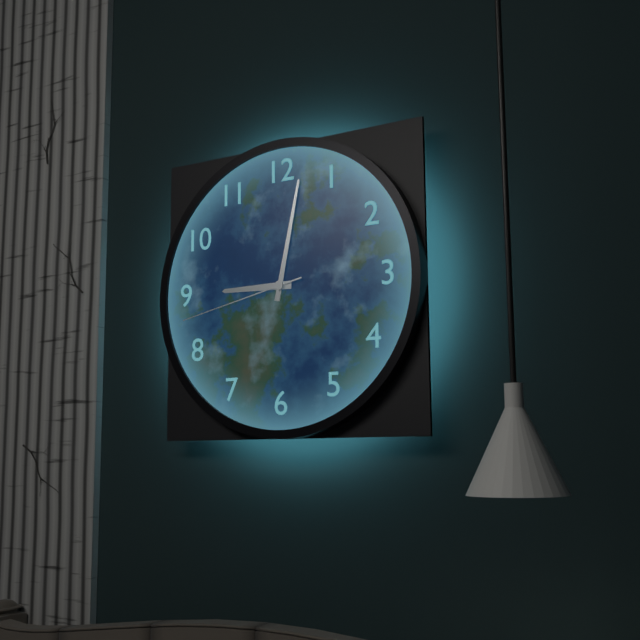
9:02:43
